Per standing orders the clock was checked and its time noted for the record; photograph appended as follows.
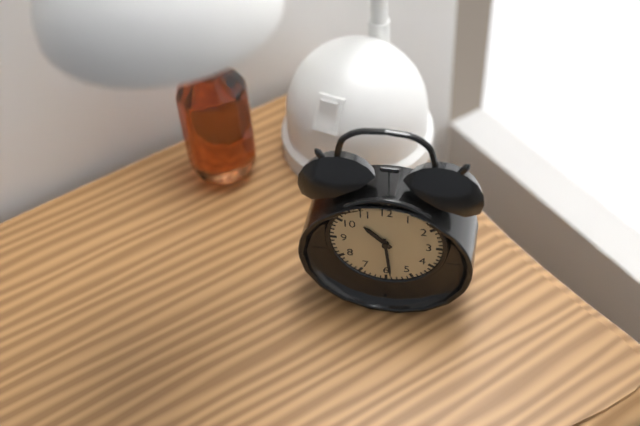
10:29
